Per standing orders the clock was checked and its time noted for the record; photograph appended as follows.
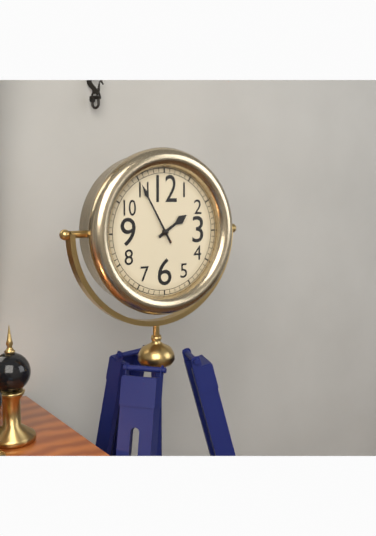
1:55
